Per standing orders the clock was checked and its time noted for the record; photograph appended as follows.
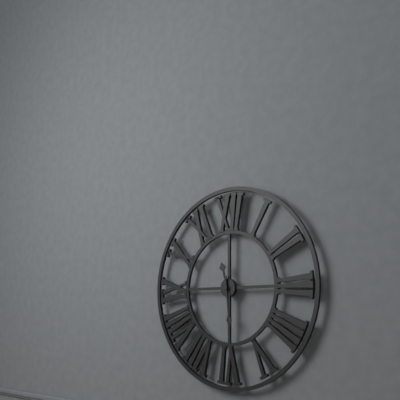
11:29
